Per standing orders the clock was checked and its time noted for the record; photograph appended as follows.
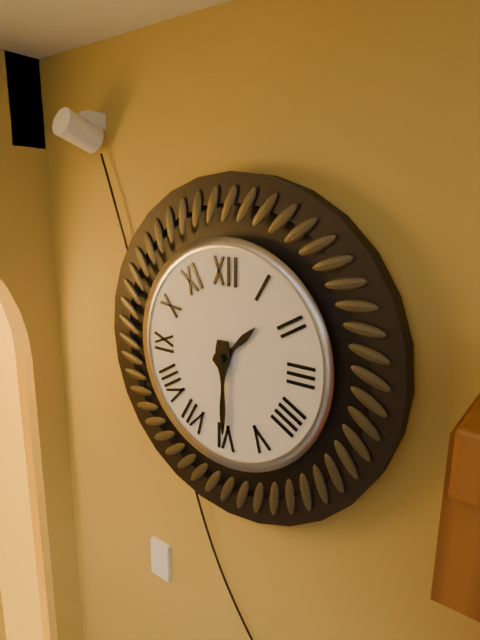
1:30
